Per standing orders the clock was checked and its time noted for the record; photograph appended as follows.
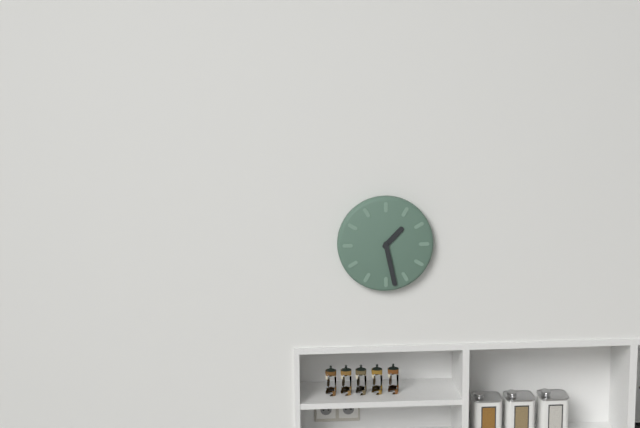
1:28
